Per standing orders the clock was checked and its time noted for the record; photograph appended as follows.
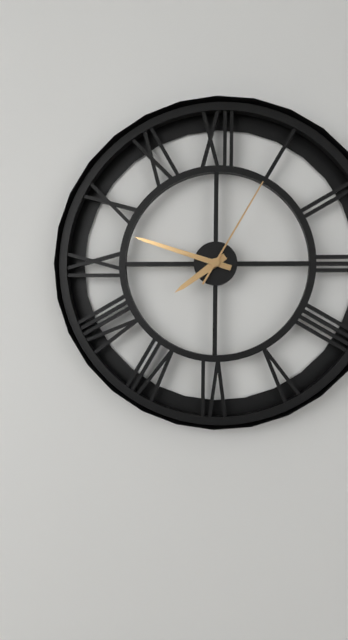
7:48:05
